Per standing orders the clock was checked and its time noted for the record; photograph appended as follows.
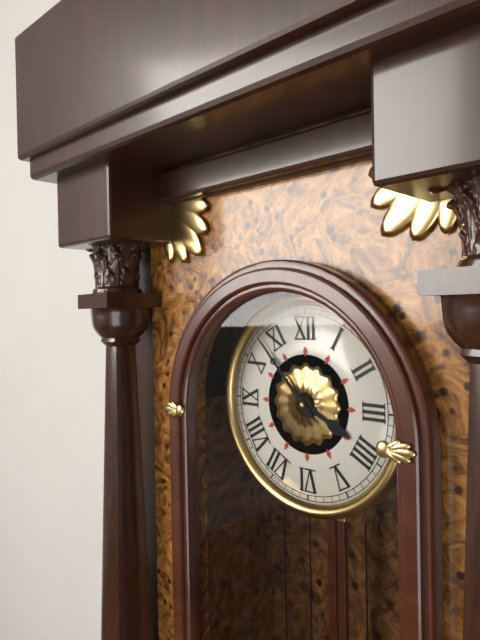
3:53
